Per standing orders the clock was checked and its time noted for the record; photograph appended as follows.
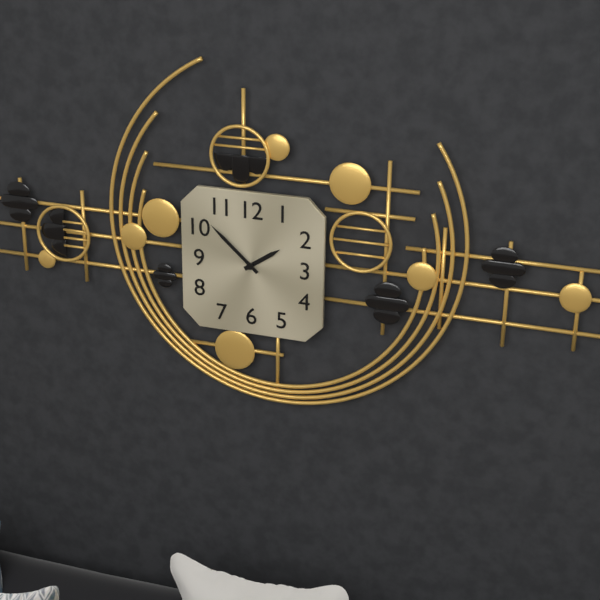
1:52
